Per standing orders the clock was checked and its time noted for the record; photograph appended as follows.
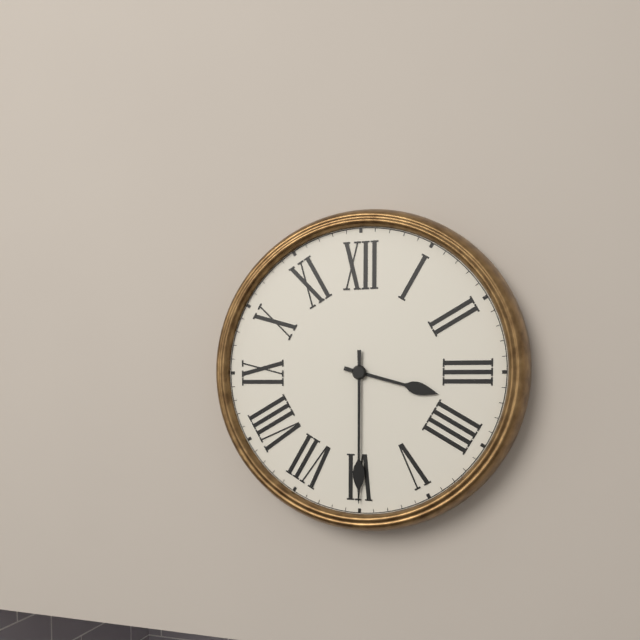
3:30
